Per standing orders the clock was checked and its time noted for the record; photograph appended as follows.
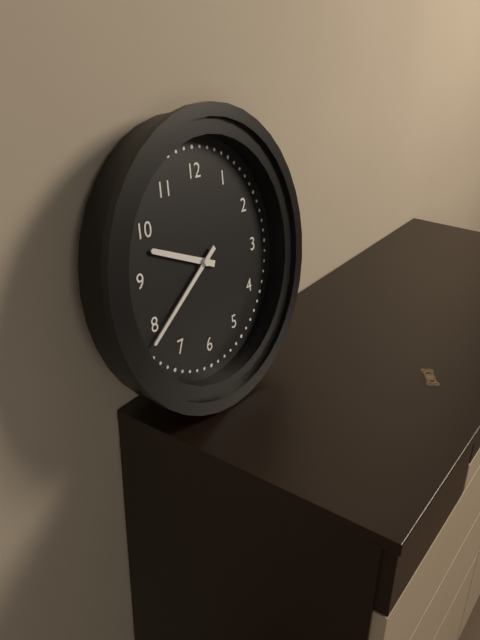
9:39
